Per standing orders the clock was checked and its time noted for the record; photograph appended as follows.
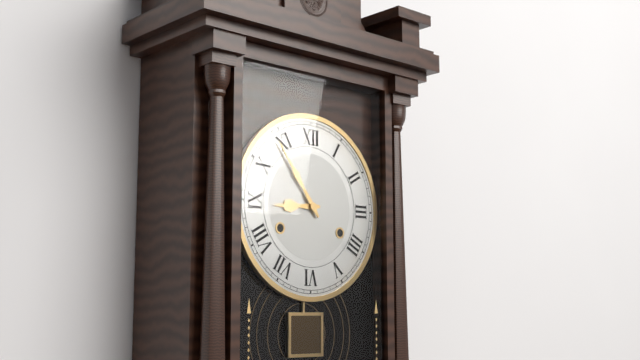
8:54
